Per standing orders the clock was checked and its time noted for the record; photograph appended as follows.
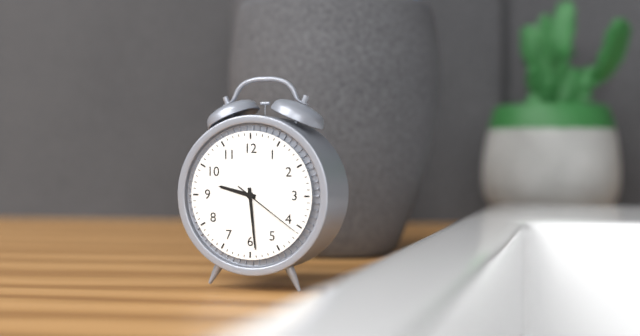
9:29:21
